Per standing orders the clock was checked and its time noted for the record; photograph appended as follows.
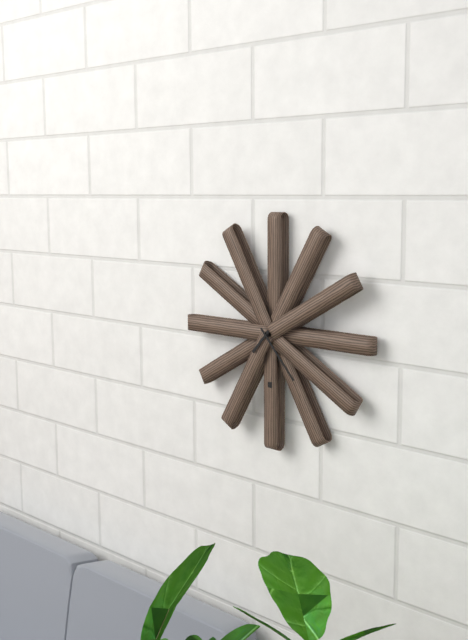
7:23
